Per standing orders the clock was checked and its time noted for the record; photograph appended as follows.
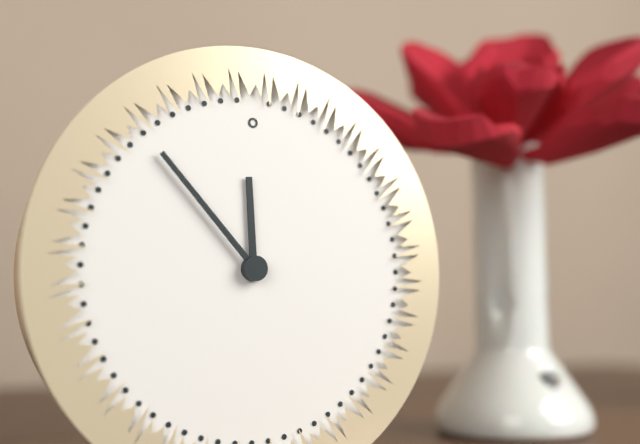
11:53
